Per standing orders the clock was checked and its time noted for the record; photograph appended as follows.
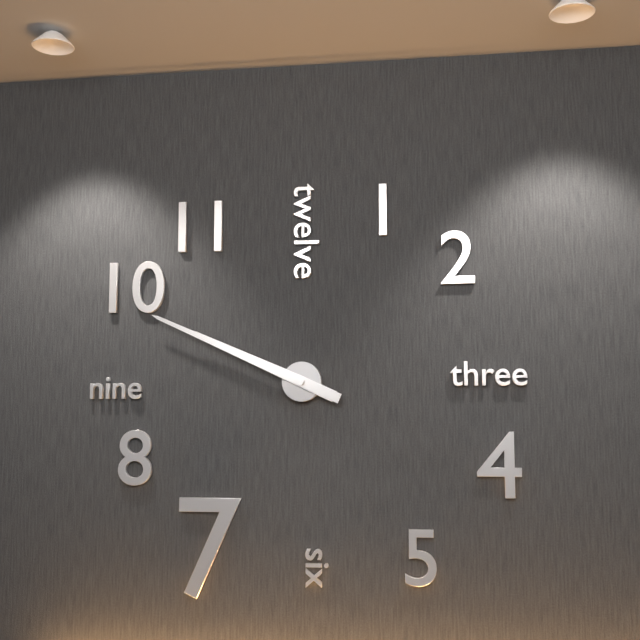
9:49
